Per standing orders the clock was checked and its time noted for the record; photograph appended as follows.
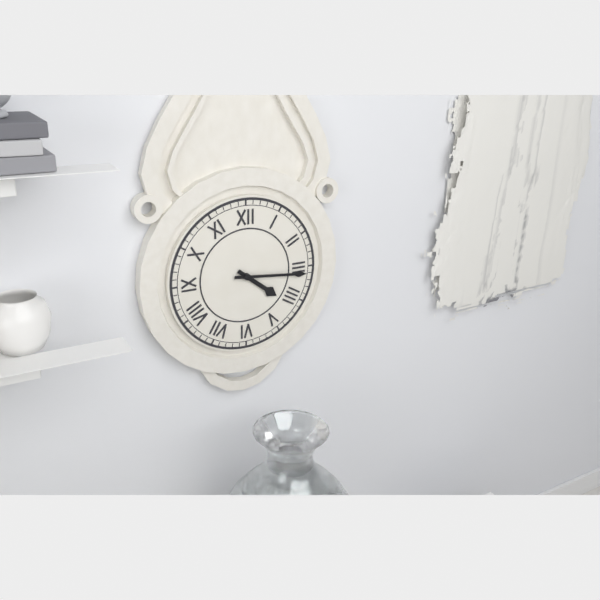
4:16
